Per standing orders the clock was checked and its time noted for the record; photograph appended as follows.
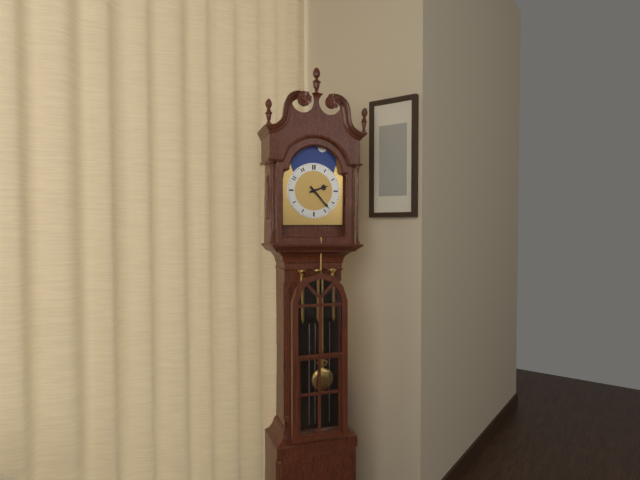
2:23
